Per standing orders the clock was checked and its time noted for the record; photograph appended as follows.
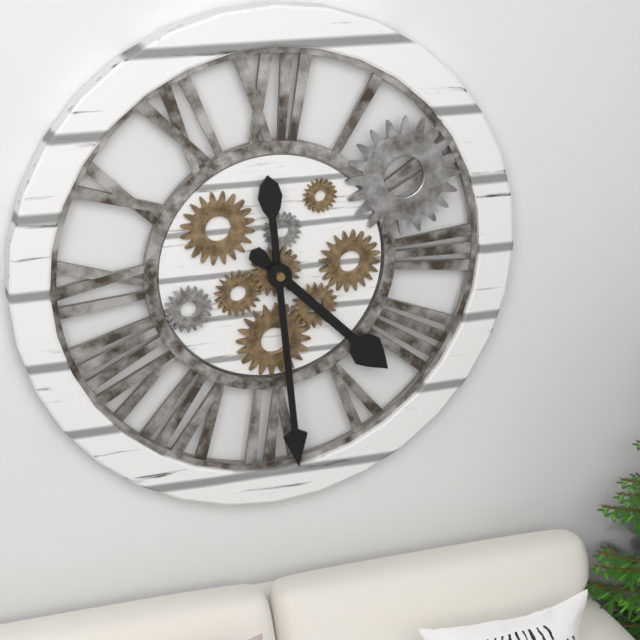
4:29
